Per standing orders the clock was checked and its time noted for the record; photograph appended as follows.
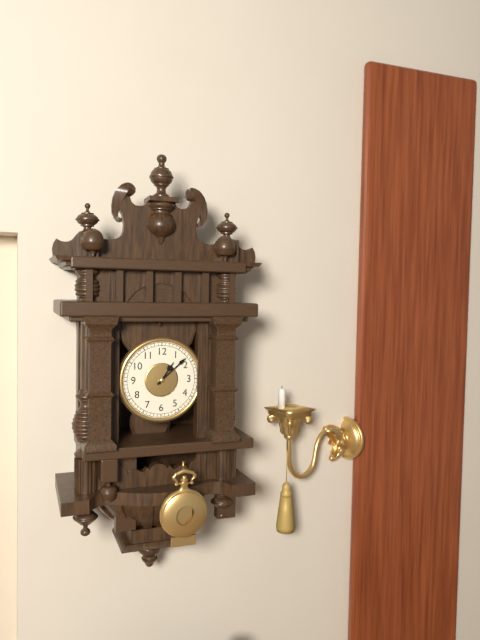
1:08
